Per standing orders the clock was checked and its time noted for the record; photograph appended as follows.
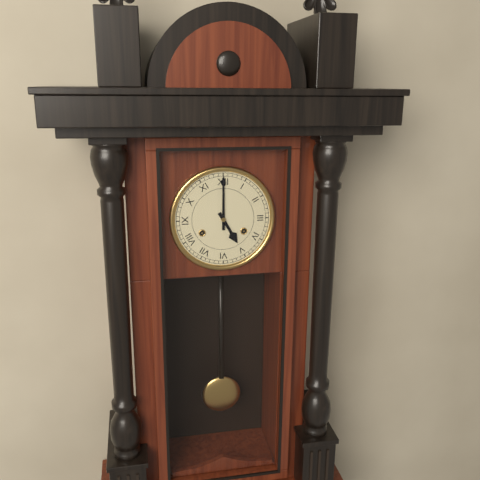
5:00
